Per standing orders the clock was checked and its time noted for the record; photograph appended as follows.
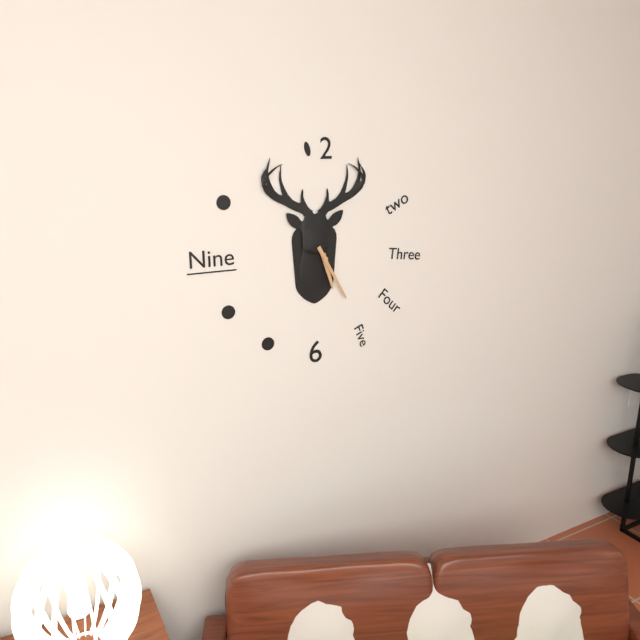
5:25
